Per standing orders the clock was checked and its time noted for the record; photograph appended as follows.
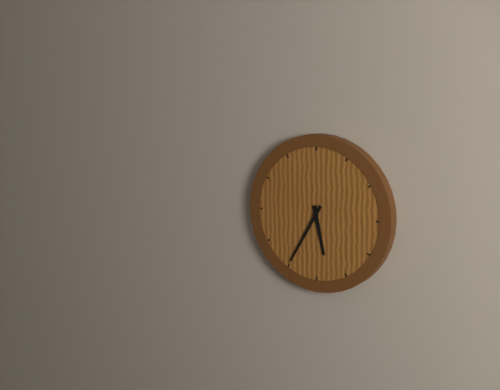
5:35
